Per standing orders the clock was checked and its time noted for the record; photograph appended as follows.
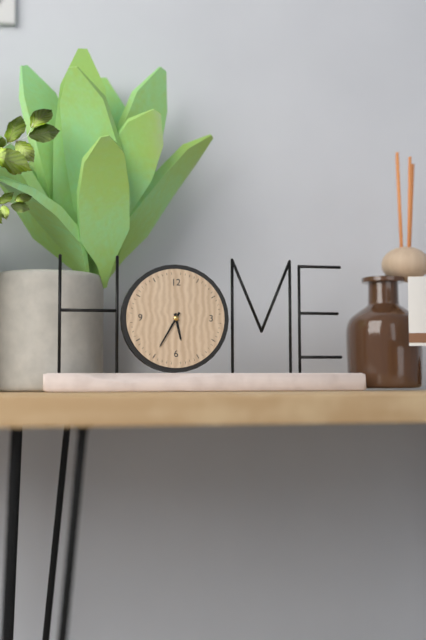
5:35
